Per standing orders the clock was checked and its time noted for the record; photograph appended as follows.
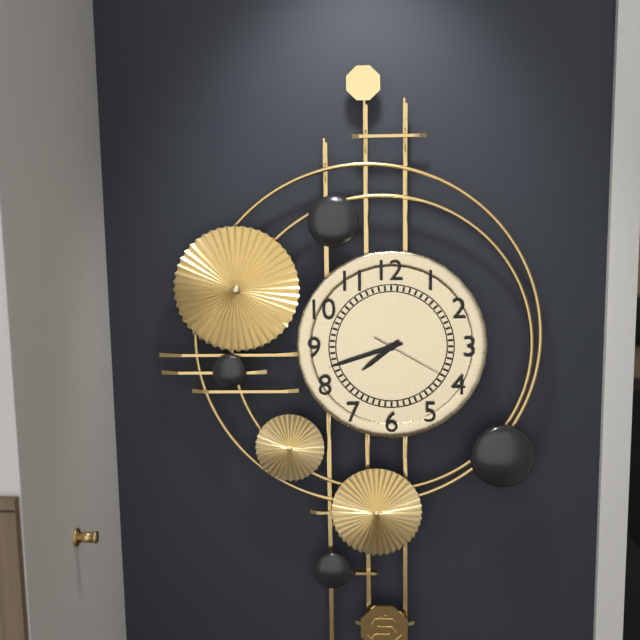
7:42:20
